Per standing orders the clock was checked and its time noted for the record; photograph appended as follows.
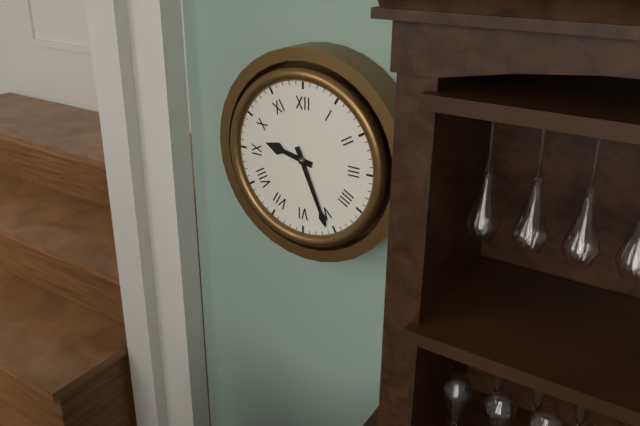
9:26
